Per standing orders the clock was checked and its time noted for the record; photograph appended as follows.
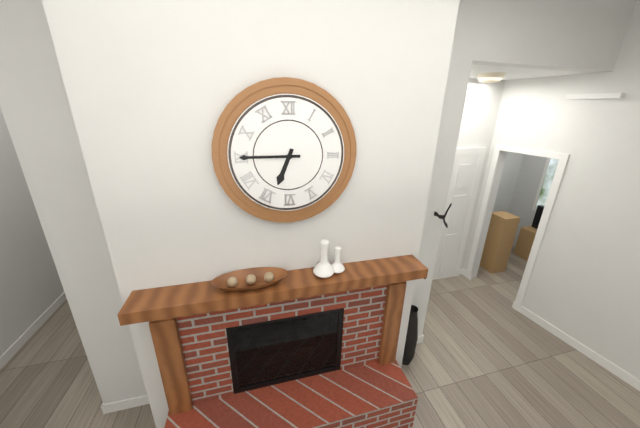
6:45
